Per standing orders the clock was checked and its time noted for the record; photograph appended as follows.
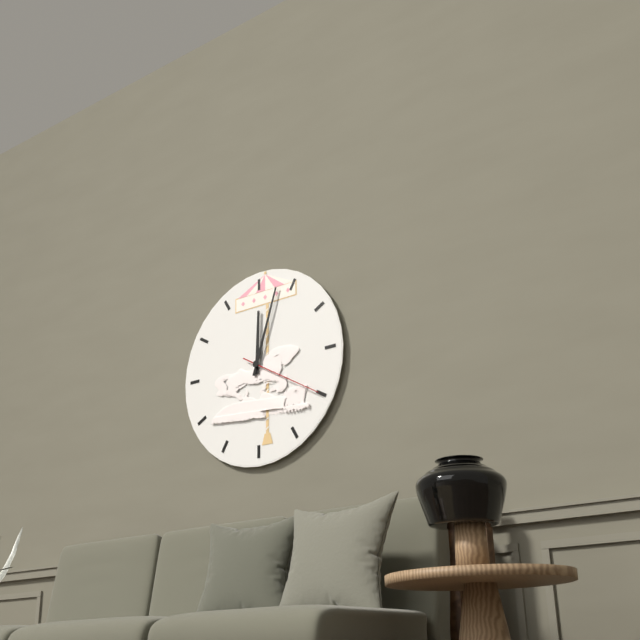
12:03:20
